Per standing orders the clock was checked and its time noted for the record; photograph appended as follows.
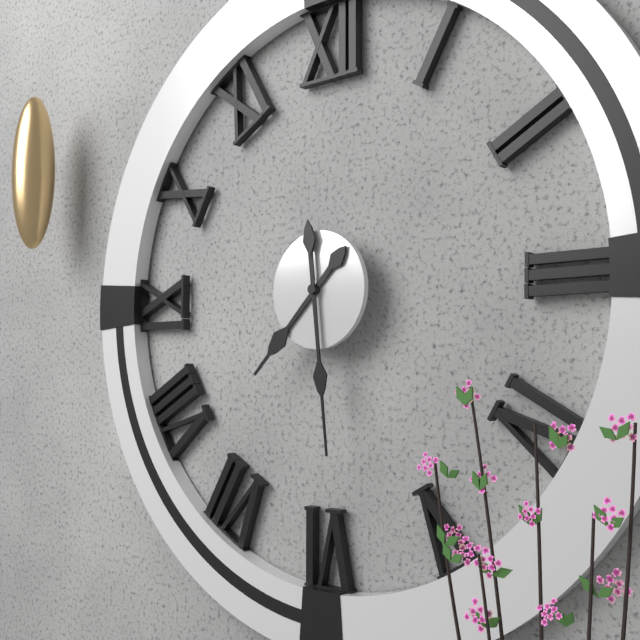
7:29
